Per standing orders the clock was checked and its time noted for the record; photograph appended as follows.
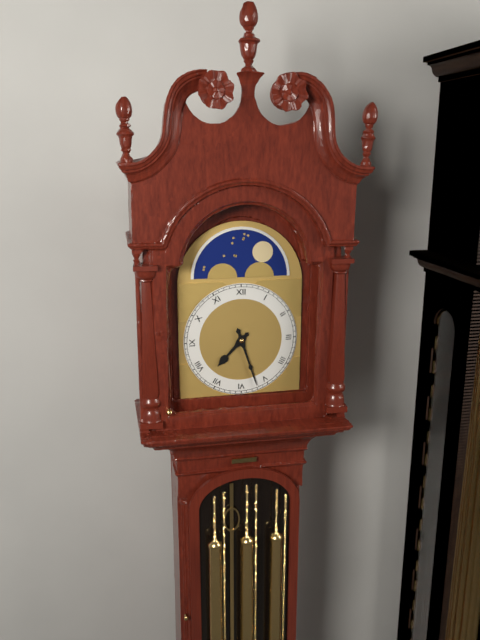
7:27
